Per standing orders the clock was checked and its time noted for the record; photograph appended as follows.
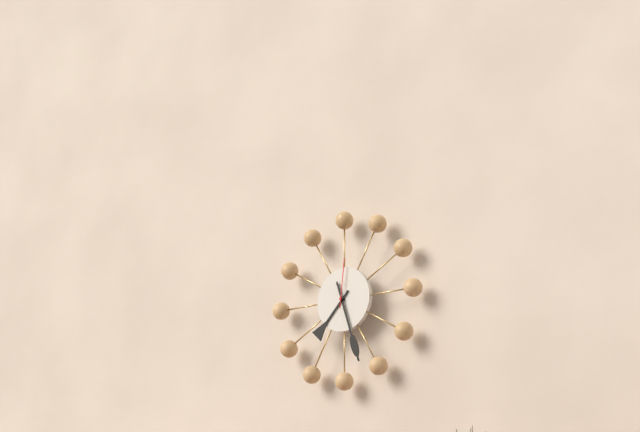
7:27:01
